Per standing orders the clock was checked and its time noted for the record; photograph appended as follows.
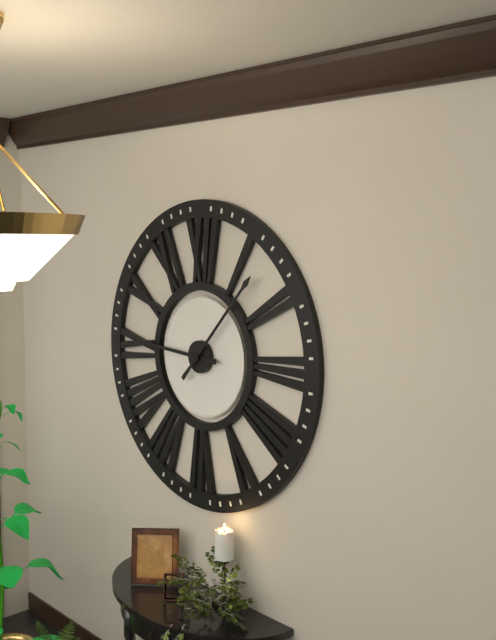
9:07
